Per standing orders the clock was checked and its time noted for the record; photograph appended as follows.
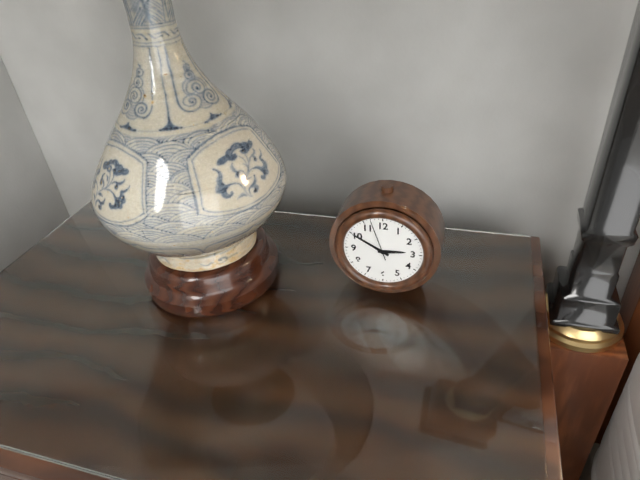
2:50
